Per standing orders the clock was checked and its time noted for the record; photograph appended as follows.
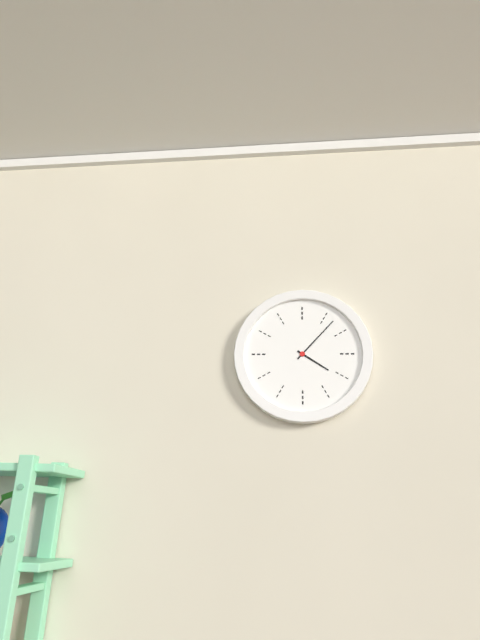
4:07
